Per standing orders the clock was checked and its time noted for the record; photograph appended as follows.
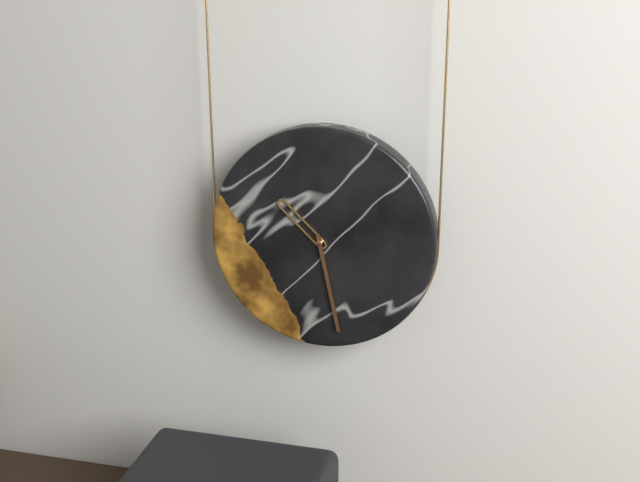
10:28
